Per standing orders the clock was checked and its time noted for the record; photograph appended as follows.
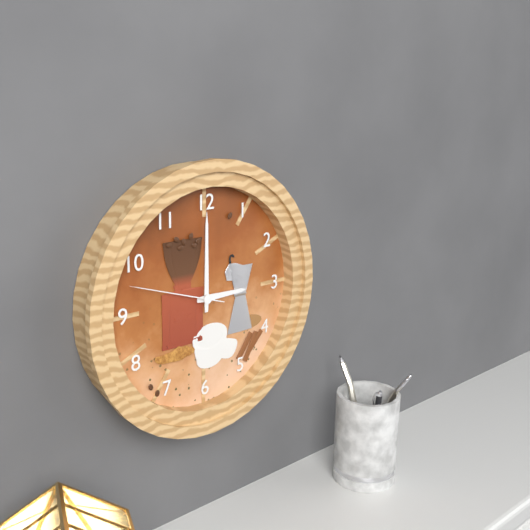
3:00:48
